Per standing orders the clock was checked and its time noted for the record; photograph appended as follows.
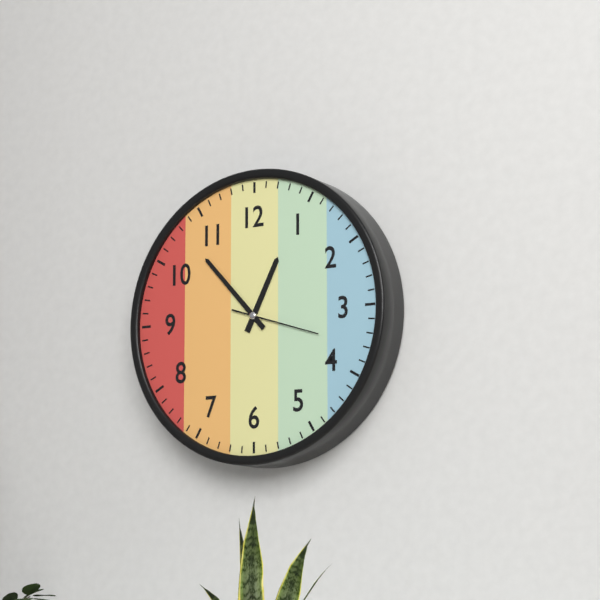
12:53:18
